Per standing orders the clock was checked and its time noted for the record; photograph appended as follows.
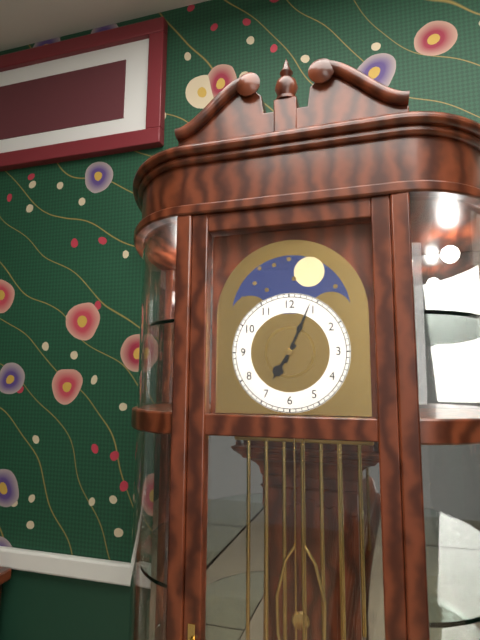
7:04
